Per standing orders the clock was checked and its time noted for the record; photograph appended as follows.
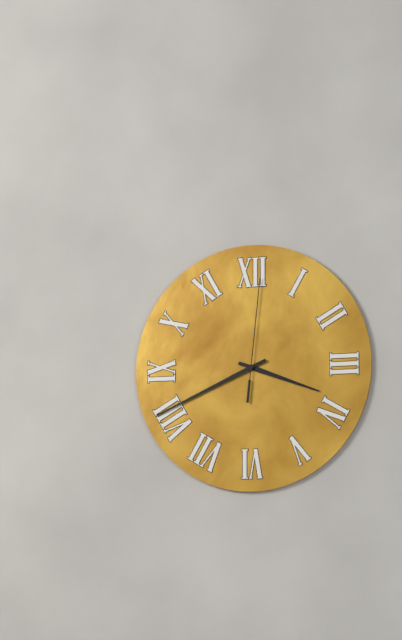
3:41:01
